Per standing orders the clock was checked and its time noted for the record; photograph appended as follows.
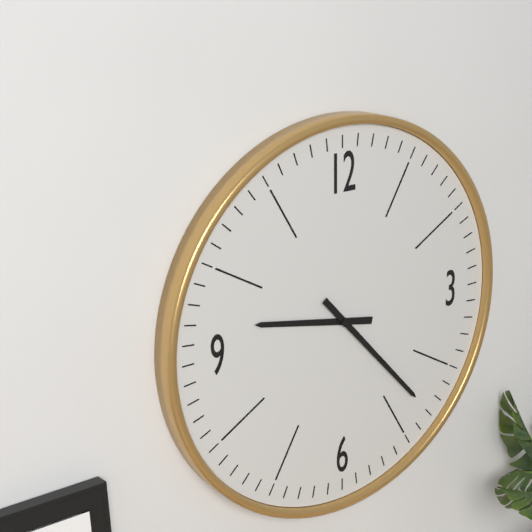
9:23
